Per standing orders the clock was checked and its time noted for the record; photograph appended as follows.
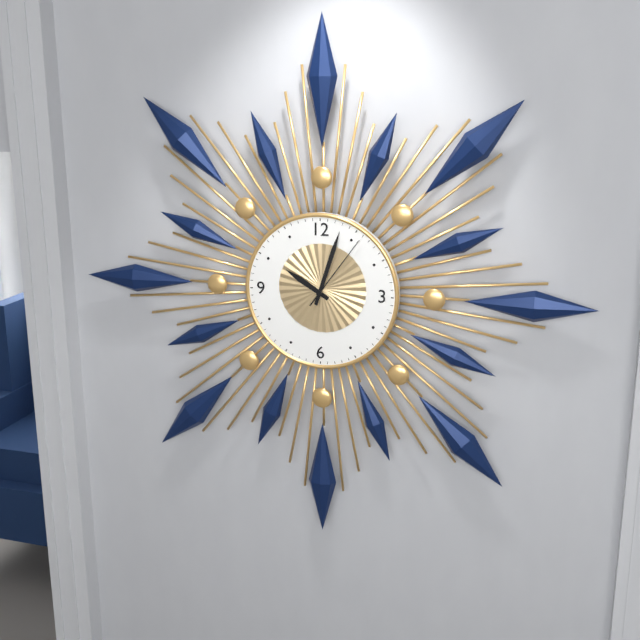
10:03:06
